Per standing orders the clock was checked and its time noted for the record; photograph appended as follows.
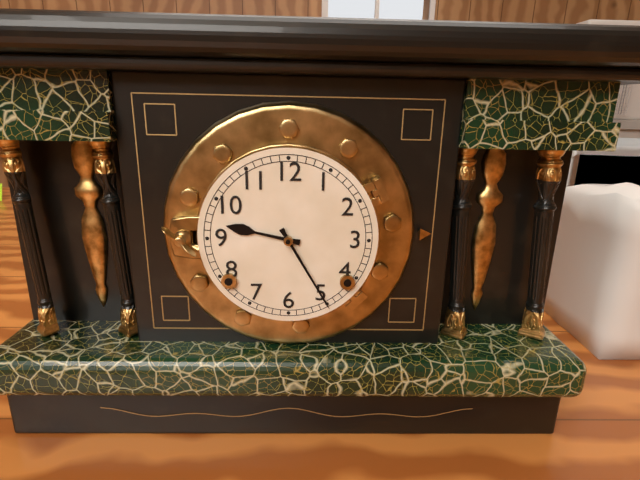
9:25
